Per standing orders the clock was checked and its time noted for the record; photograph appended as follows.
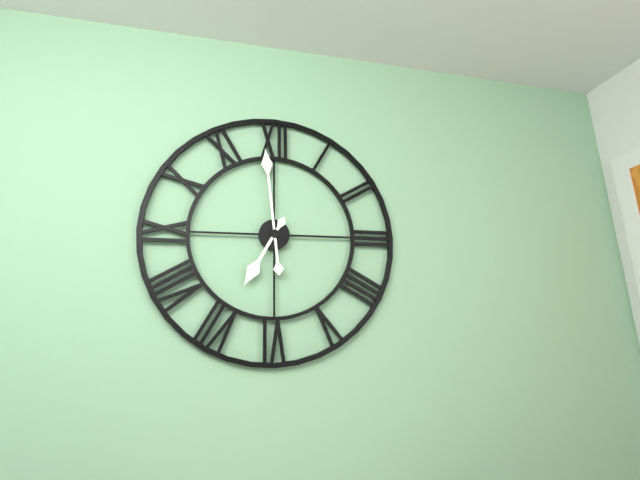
6:59
